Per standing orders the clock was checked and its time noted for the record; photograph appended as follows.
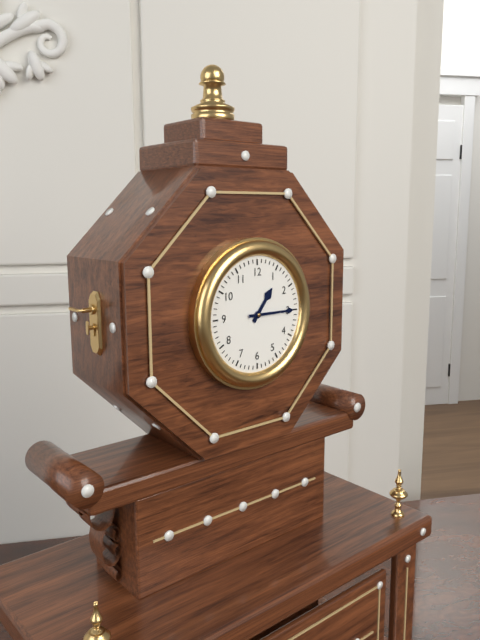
1:15
